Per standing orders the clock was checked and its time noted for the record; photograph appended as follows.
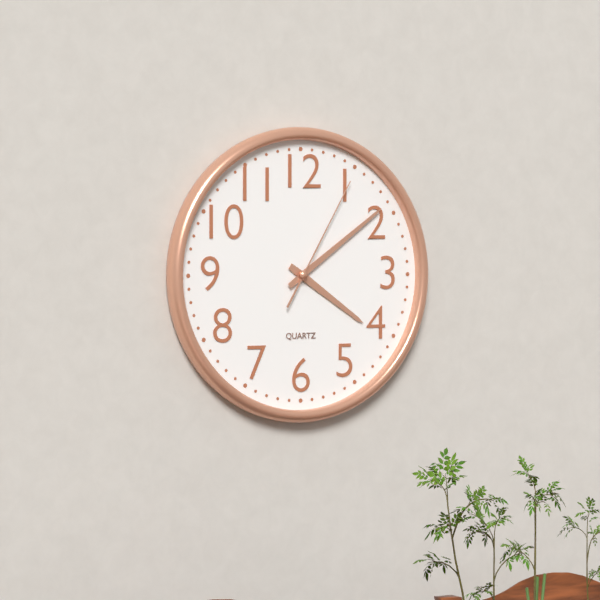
4:09:05
